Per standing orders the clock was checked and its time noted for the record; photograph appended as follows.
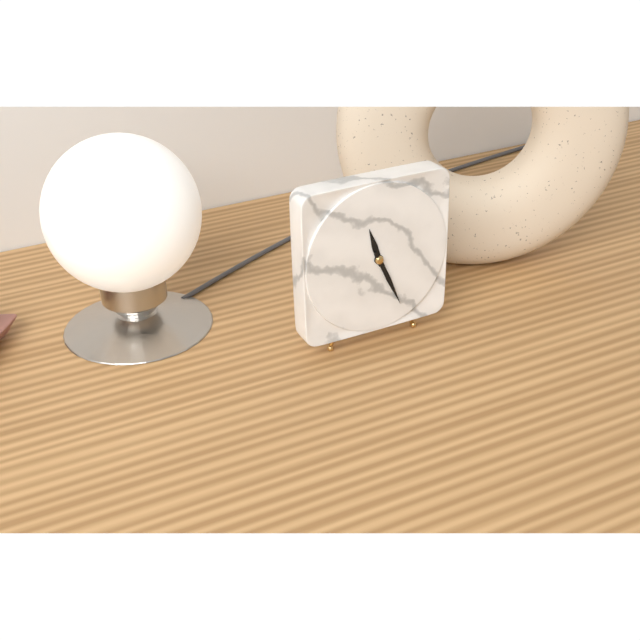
11:26
